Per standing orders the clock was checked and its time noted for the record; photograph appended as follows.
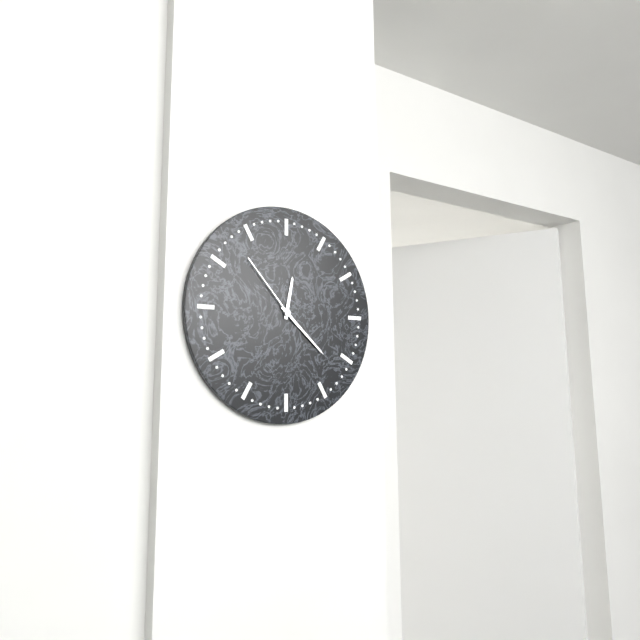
12:22:53
